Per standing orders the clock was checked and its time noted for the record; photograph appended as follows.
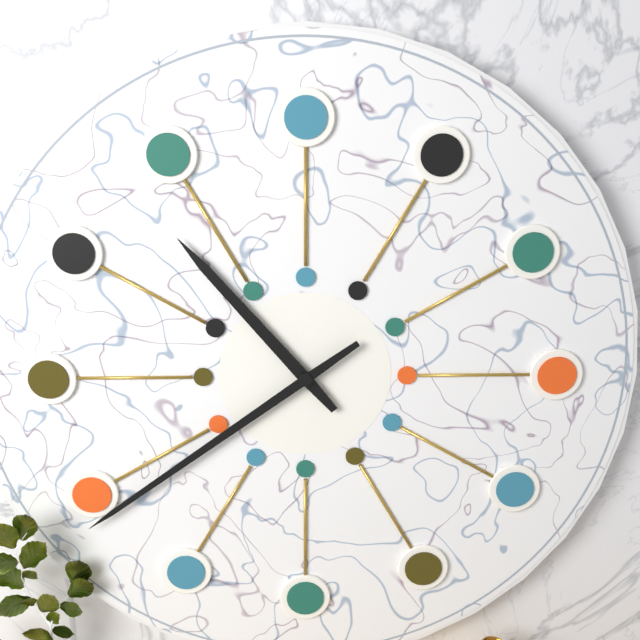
10:39
